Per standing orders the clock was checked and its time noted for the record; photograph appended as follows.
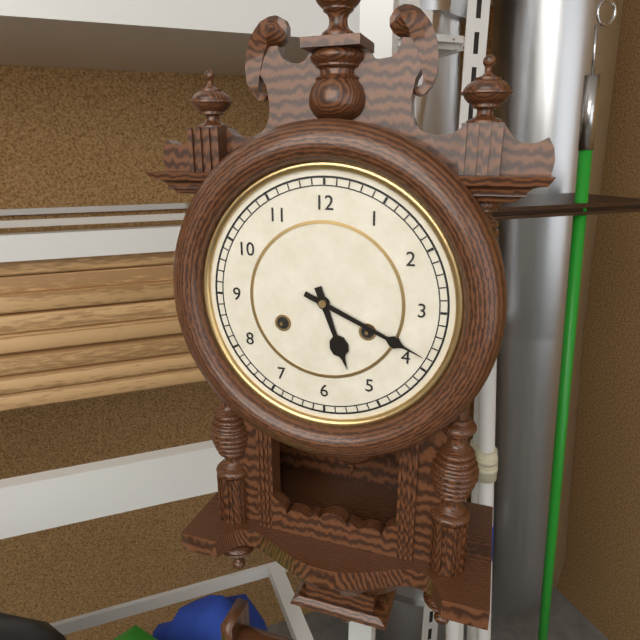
5:19
